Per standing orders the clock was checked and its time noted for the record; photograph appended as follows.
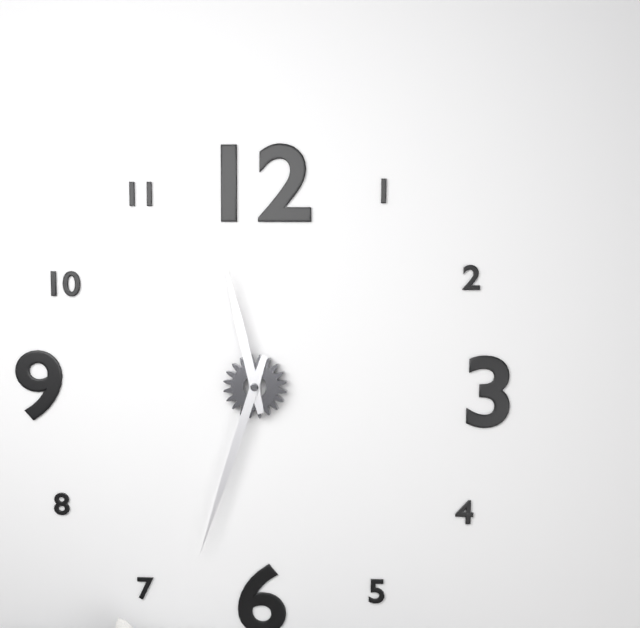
11:33
